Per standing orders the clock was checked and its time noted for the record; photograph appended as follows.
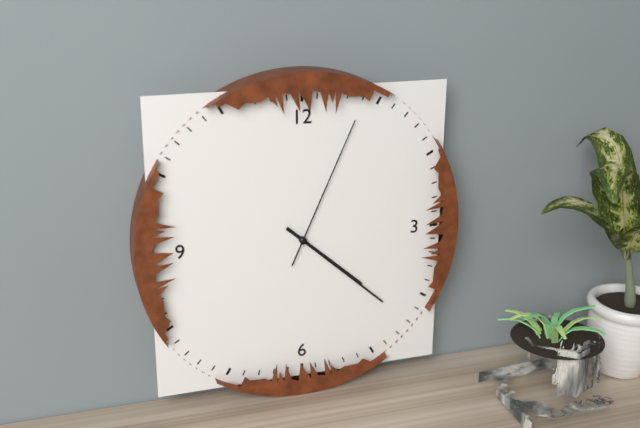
4:22:04
